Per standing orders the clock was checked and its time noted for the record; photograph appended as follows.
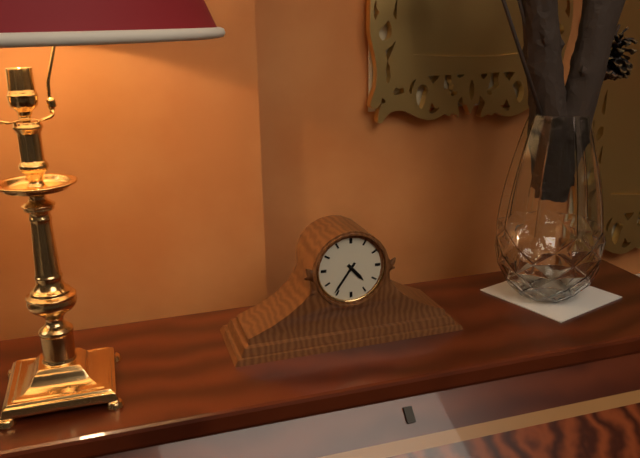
4:36
